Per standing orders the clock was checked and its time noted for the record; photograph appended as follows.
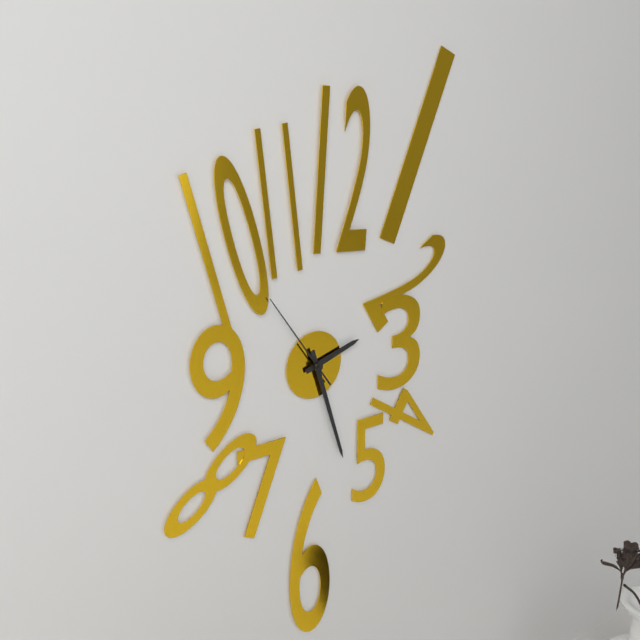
2:27:54
